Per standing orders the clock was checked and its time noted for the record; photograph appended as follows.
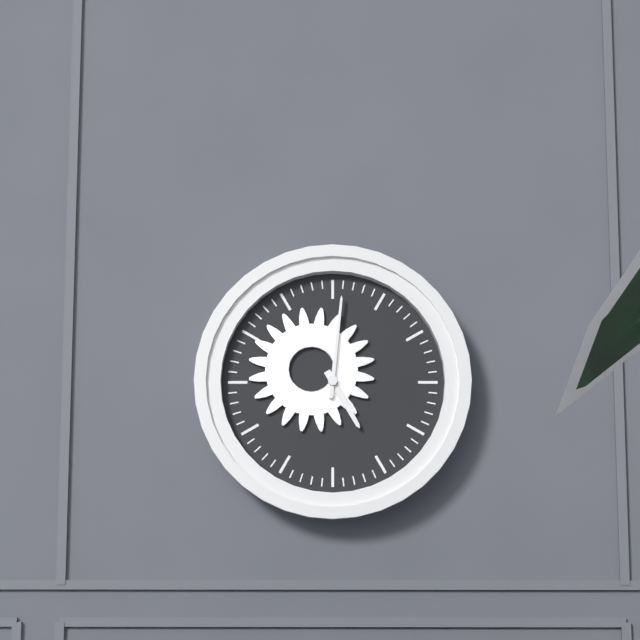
5:01
